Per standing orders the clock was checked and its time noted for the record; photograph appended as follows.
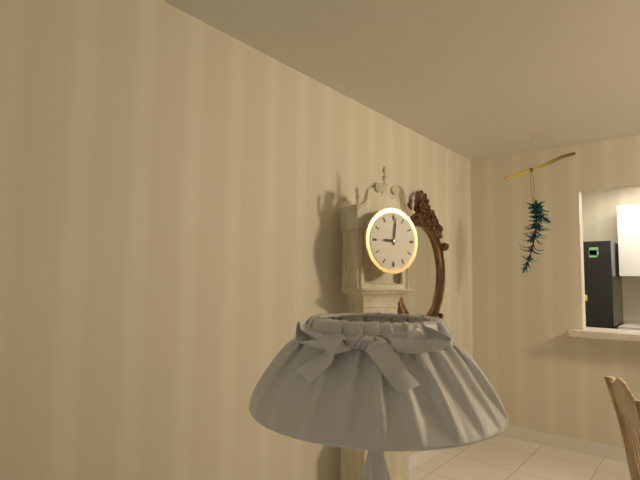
9:01
